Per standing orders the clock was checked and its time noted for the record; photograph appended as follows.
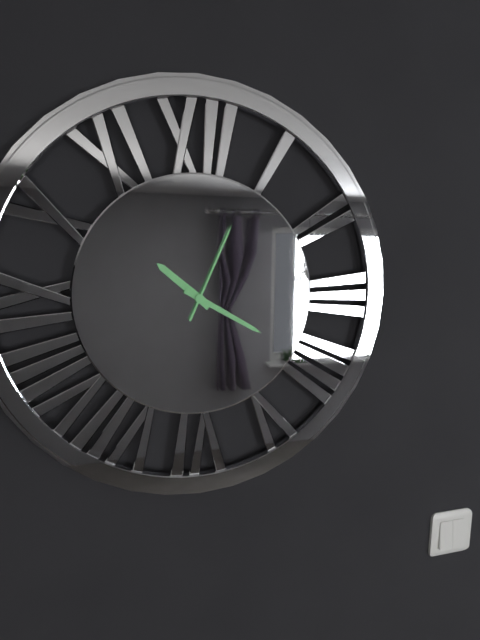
10:20:04
